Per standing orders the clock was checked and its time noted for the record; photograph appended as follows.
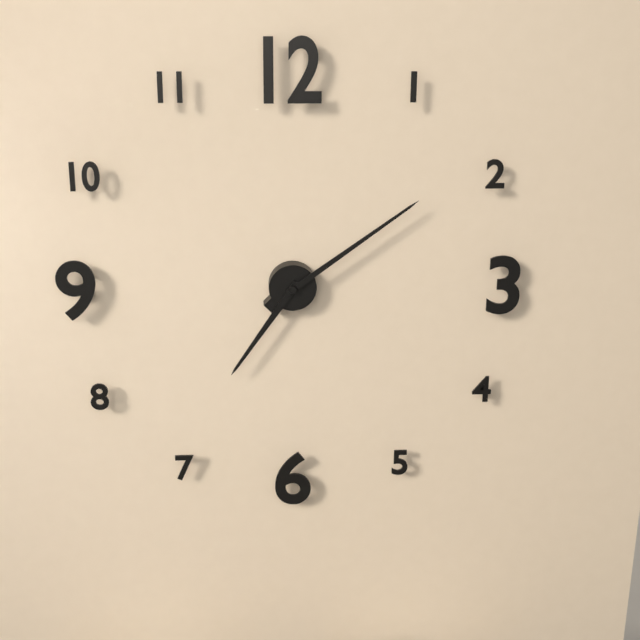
7:09
